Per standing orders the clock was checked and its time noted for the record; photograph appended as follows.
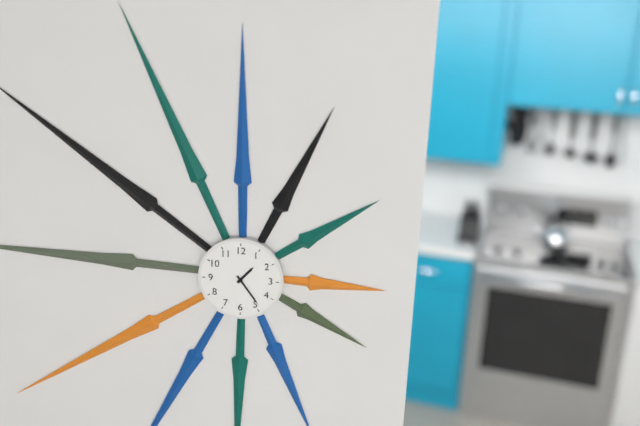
1:24
